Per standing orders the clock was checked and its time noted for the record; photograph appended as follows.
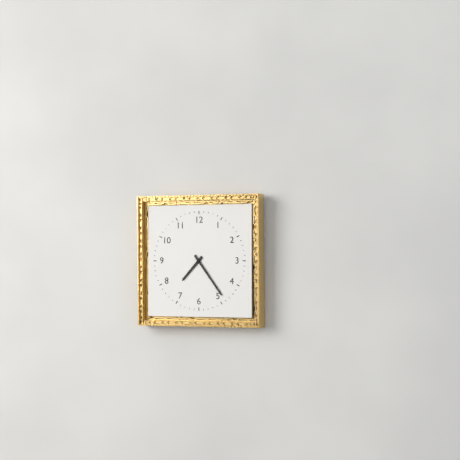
7:24
